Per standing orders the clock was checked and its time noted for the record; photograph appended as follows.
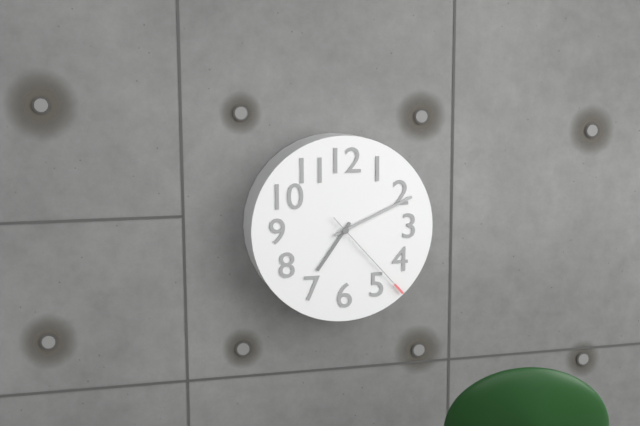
7:11:23
